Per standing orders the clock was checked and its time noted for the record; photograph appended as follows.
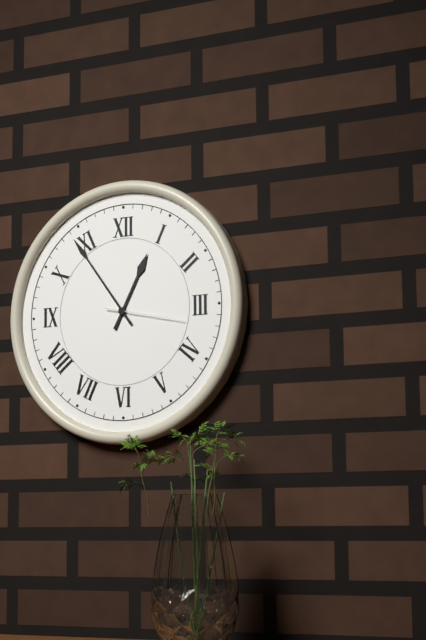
12:54:17
